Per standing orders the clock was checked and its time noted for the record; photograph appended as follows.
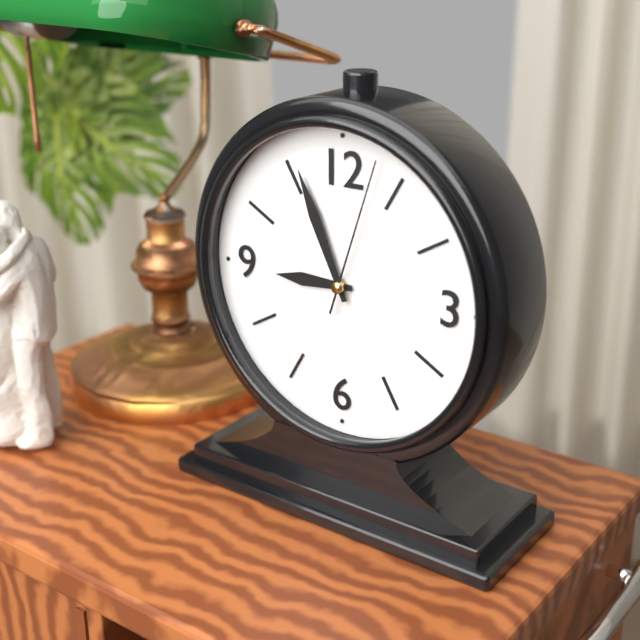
8:56:03
